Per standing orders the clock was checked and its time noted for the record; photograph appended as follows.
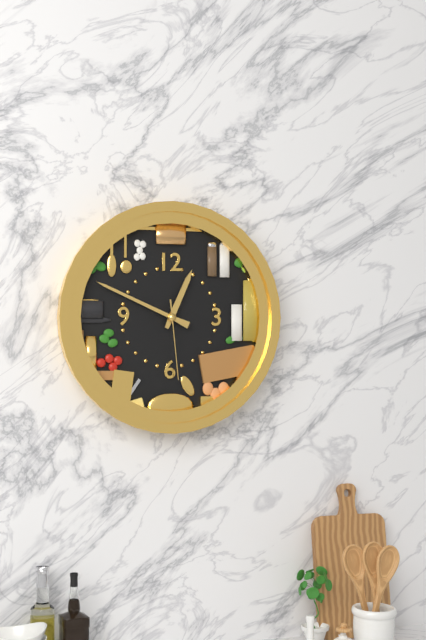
12:49:29
